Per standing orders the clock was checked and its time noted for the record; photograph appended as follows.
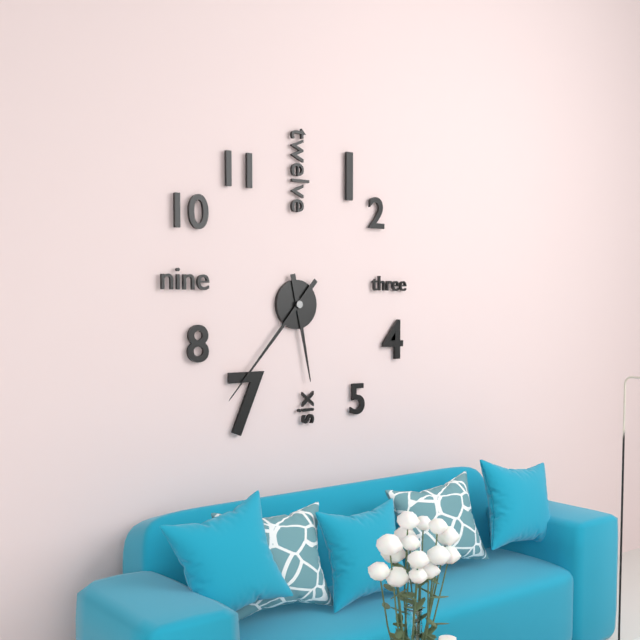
5:37
